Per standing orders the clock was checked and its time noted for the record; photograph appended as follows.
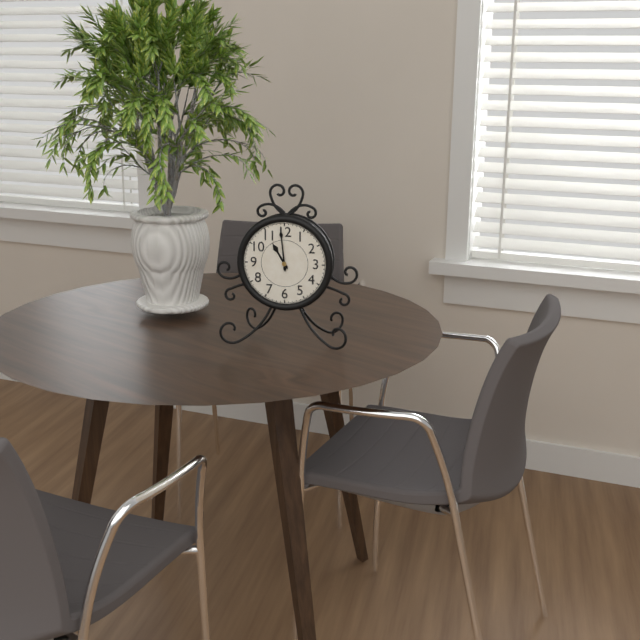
10:59
